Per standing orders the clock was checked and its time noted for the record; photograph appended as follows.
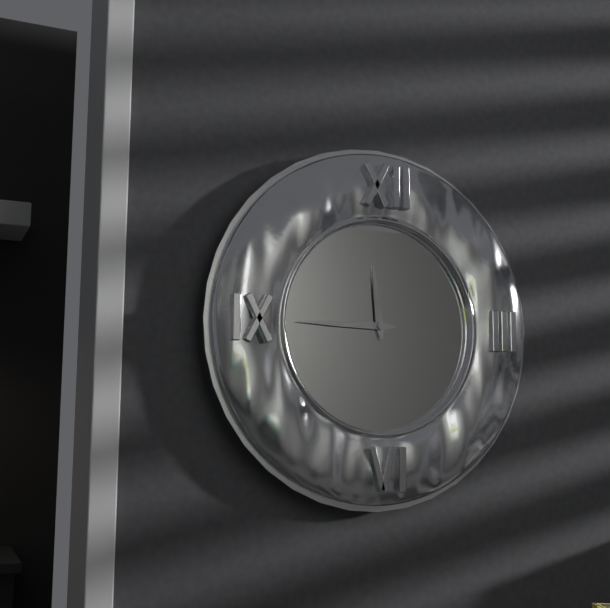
11:45
